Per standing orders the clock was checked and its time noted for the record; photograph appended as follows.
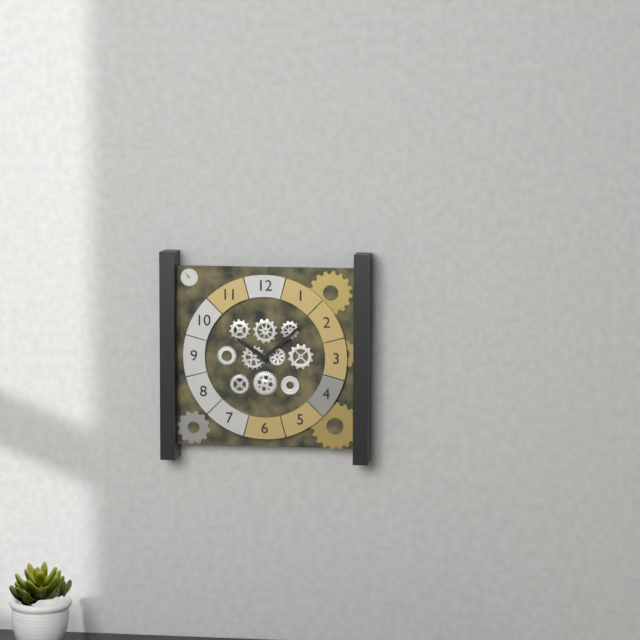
10:08
